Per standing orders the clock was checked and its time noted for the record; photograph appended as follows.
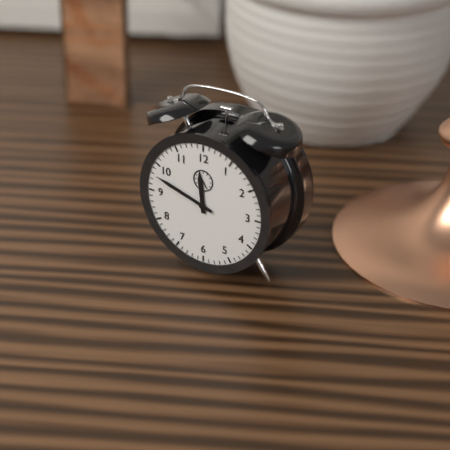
11:48
